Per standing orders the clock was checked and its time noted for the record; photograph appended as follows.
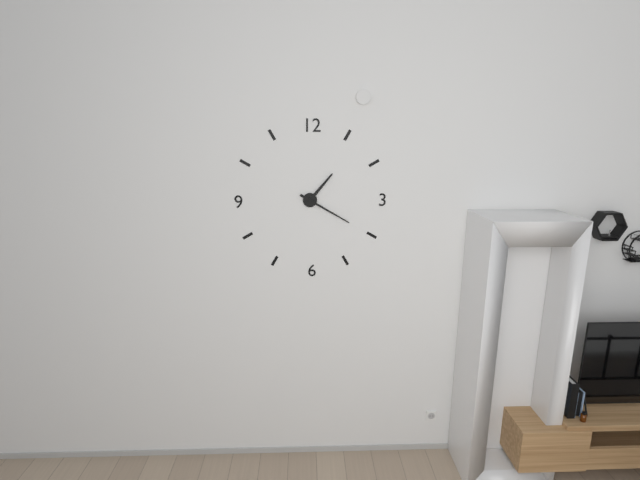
1:20
